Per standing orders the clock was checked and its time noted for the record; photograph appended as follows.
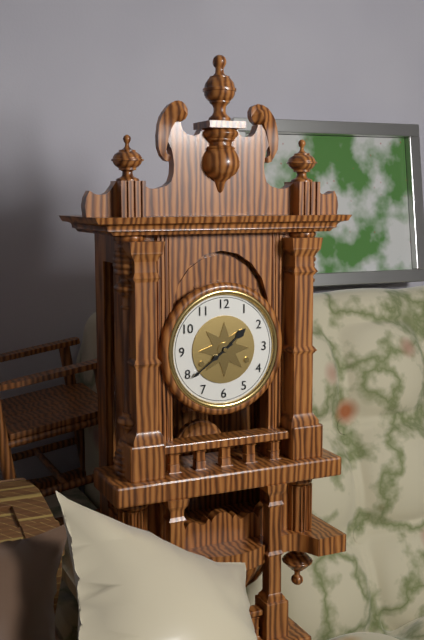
1:39
